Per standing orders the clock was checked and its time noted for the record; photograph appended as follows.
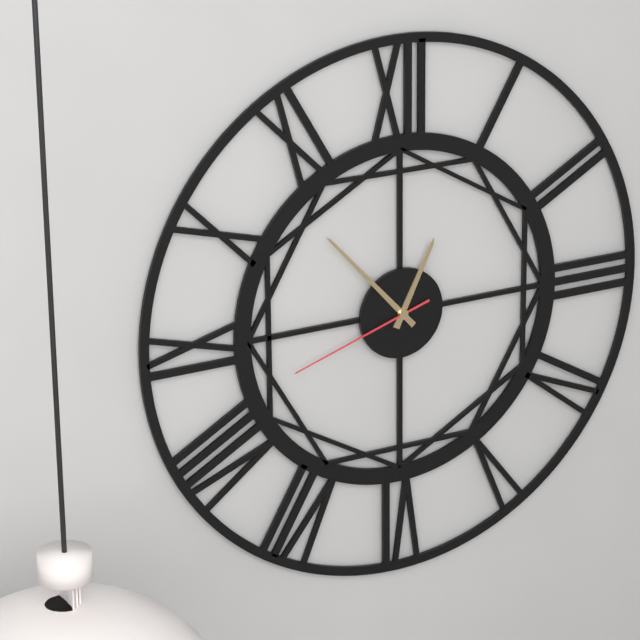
12:53:42
